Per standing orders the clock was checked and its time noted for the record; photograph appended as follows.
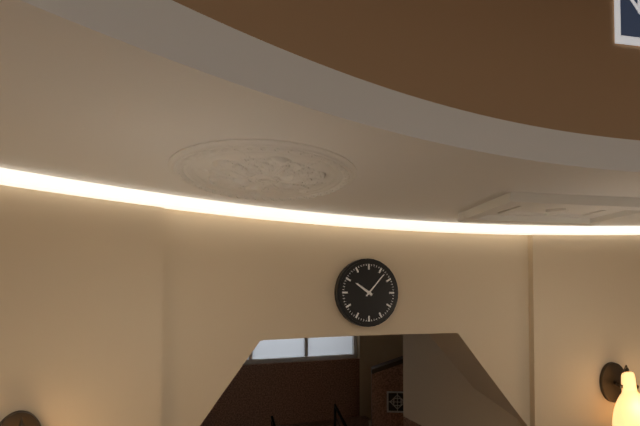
10:07
